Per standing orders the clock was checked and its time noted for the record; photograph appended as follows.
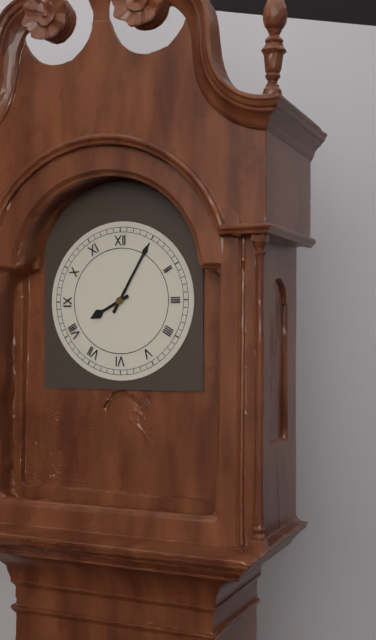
8:05
